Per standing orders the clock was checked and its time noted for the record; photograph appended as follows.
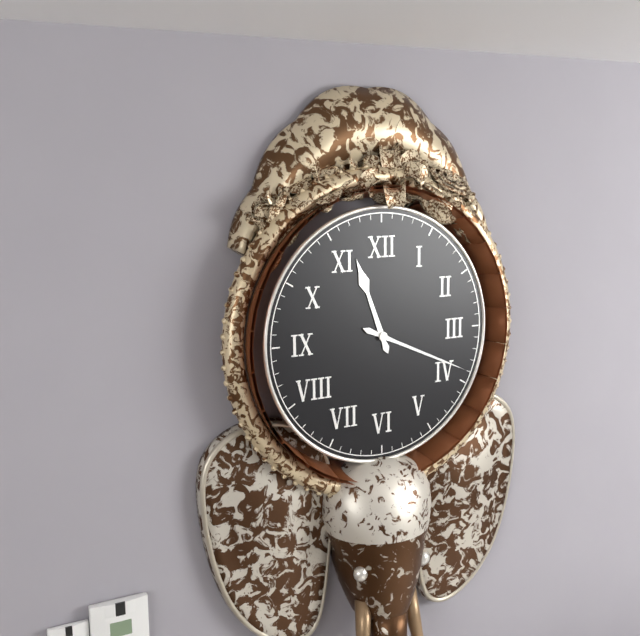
11:19
